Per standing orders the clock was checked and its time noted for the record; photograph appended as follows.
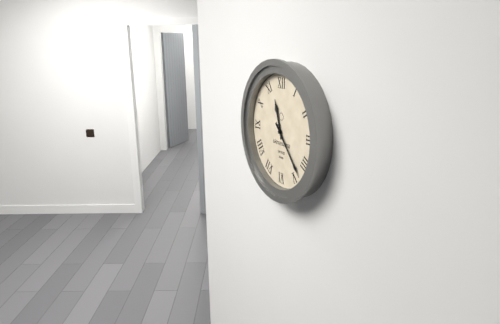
11:23
